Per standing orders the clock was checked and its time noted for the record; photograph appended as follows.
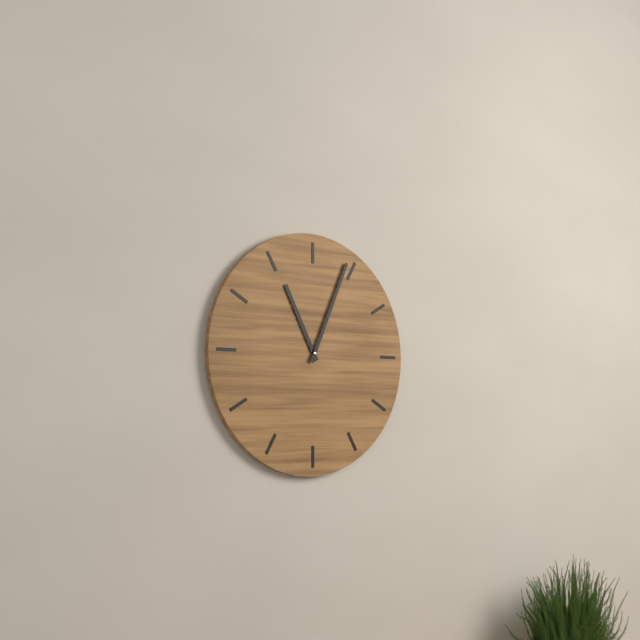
11:04
